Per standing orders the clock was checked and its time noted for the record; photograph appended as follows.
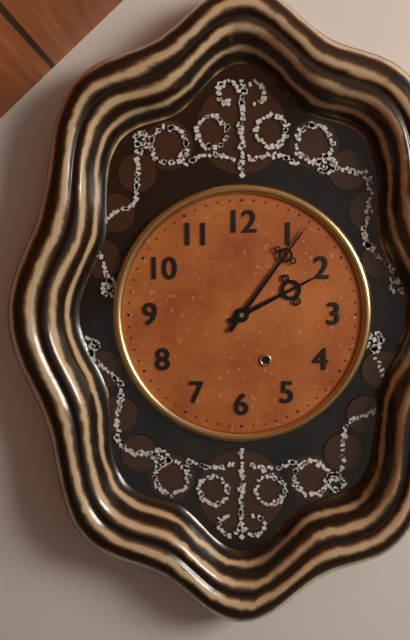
2:06
